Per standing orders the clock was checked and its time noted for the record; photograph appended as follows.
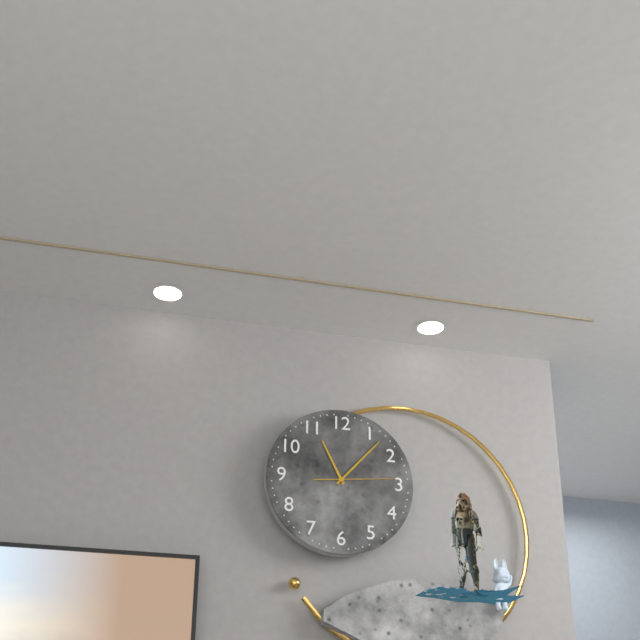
11:07:14
